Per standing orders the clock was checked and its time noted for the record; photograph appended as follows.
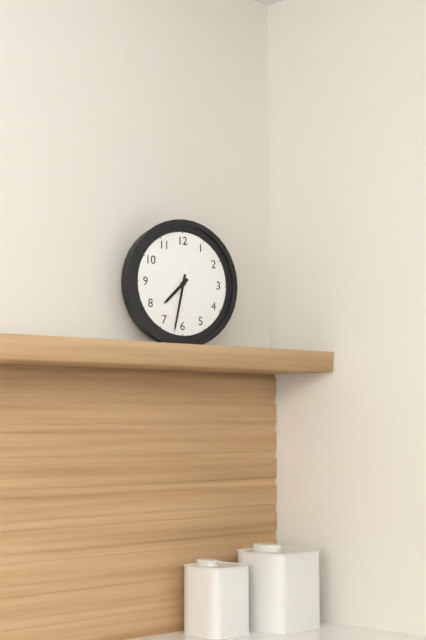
7:32
